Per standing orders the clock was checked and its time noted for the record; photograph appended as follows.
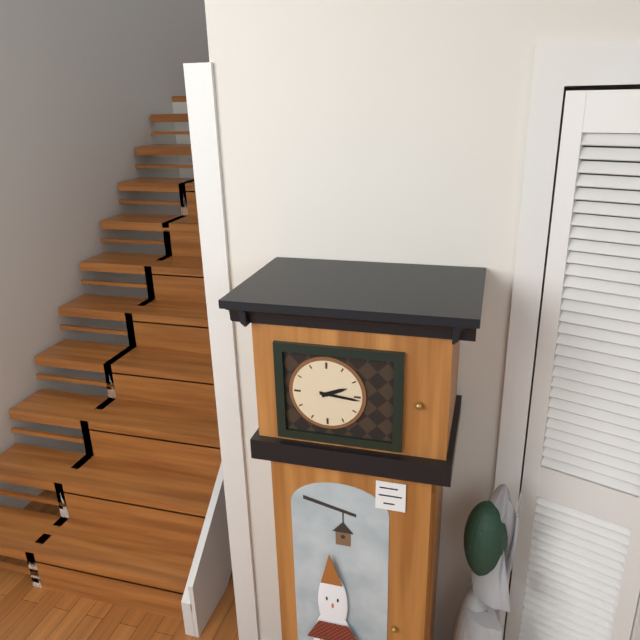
2:16
